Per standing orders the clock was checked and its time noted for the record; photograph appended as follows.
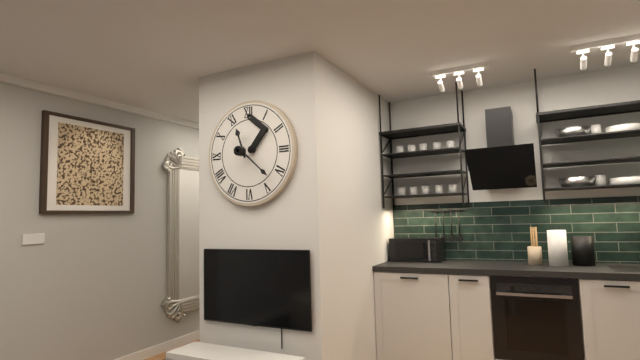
11:22
